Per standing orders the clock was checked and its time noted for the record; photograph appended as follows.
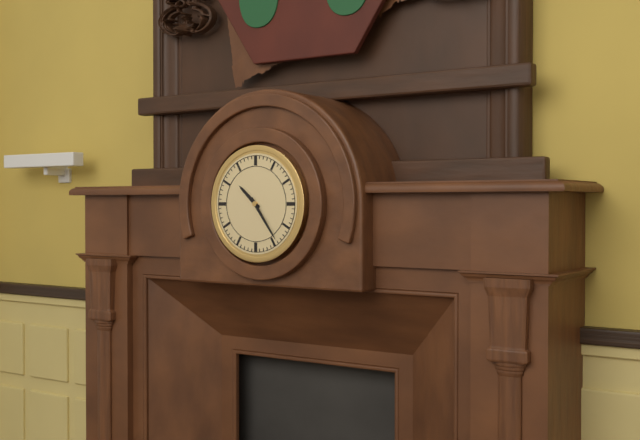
10:24
